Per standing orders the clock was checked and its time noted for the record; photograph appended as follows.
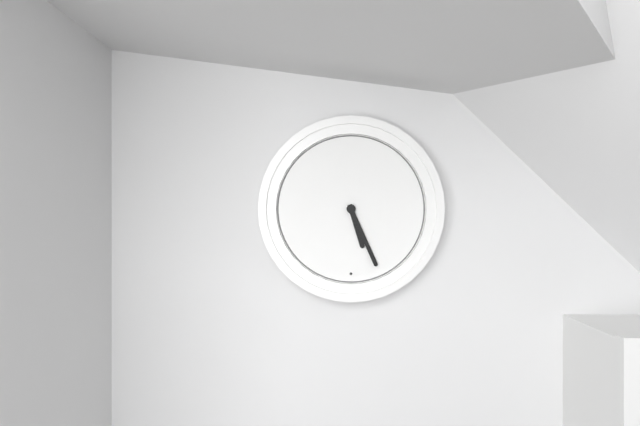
5:26
